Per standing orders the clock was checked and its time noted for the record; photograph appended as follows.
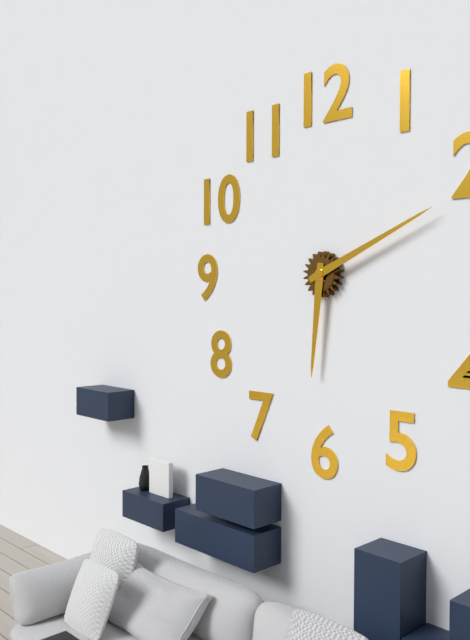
6:11
